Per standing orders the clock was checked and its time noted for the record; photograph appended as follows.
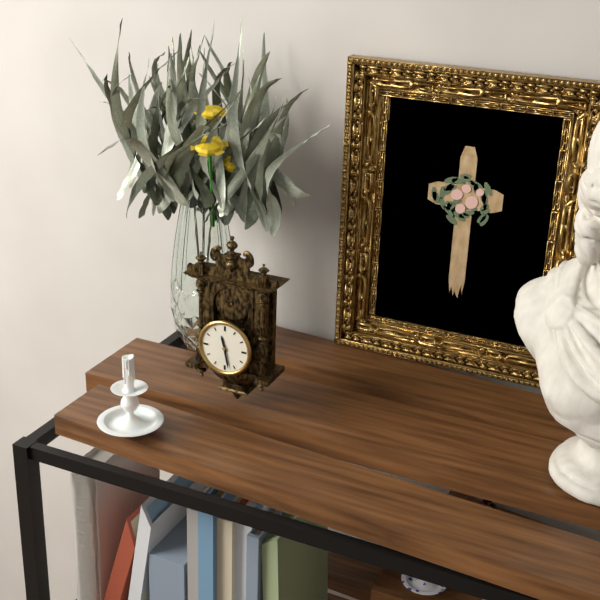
11:28
